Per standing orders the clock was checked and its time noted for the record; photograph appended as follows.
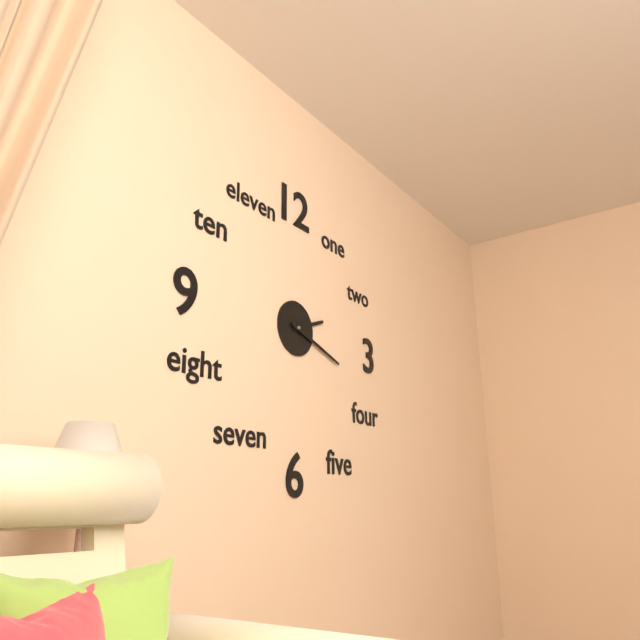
2:18
